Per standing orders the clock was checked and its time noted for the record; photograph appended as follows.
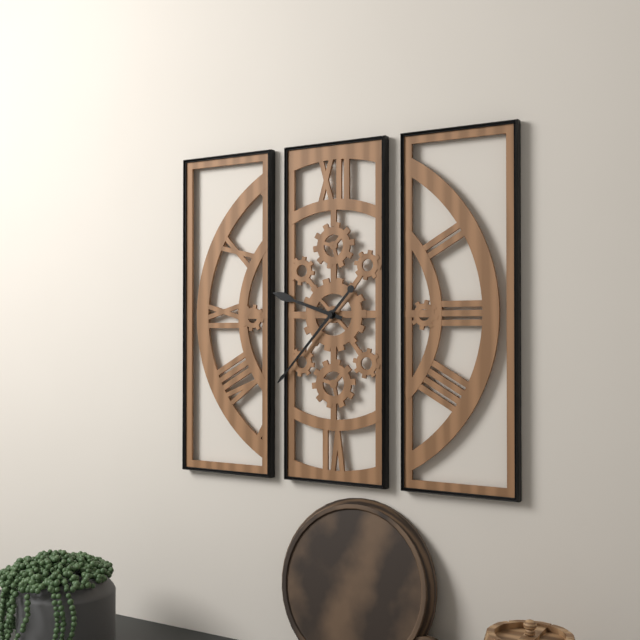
9:37
